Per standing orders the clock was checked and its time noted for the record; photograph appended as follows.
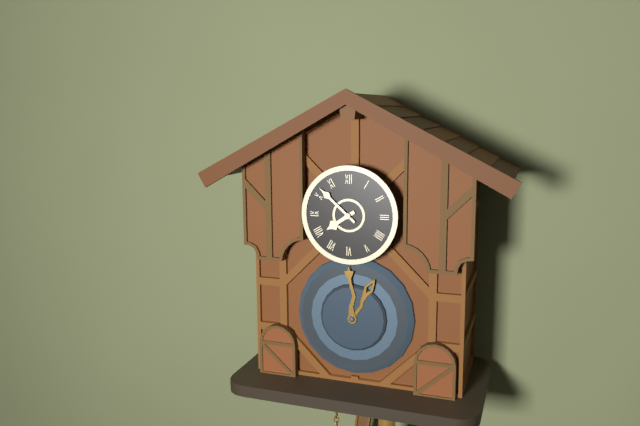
7:52
